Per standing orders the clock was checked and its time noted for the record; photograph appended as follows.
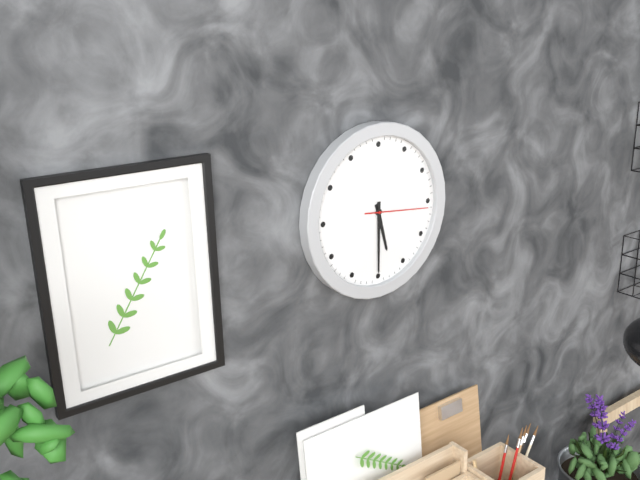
5:30:16
